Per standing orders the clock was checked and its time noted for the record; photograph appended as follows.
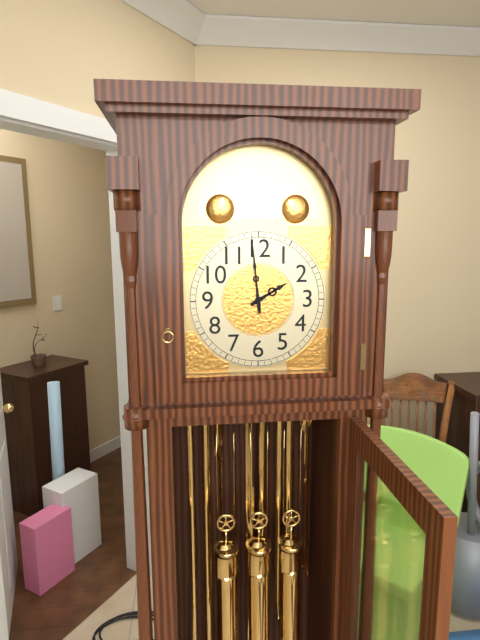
1:59
